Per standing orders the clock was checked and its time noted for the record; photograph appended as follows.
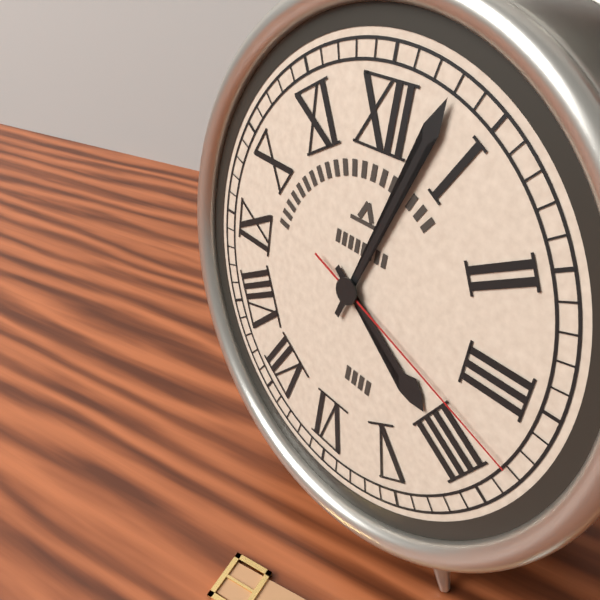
4:03:18
